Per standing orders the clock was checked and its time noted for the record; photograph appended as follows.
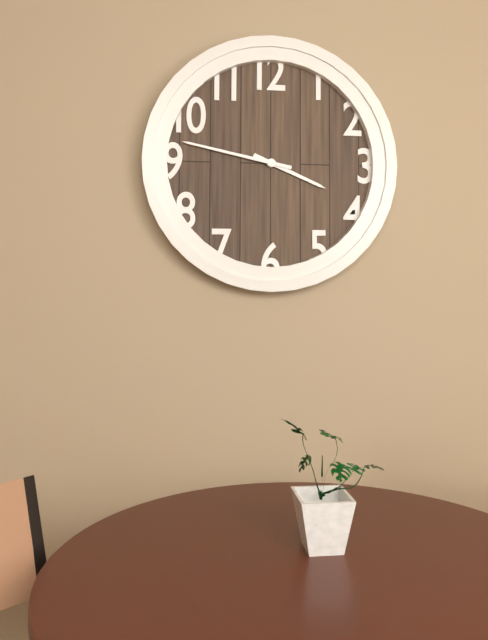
3:47
